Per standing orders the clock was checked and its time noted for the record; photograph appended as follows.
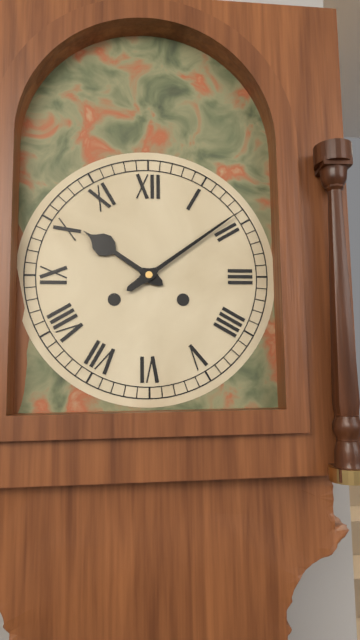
10:09
